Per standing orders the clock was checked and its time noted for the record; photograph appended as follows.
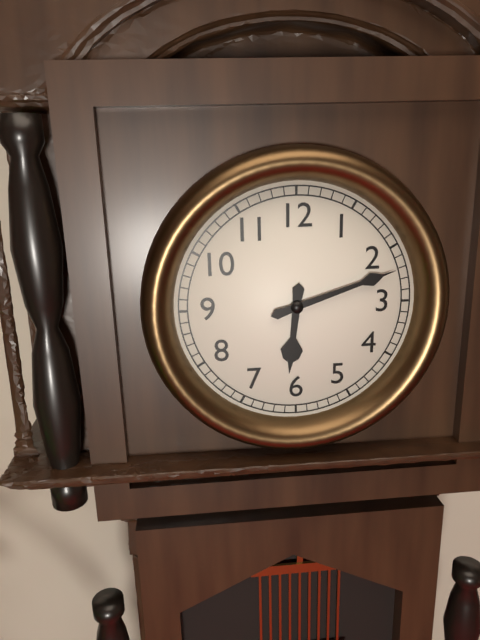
6:12
